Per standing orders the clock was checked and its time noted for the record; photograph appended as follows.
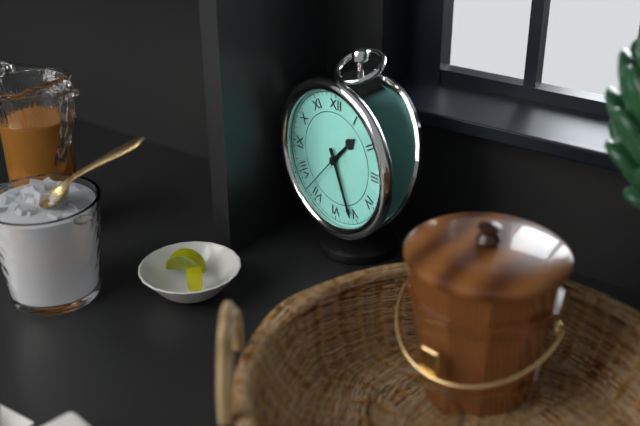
1:26
